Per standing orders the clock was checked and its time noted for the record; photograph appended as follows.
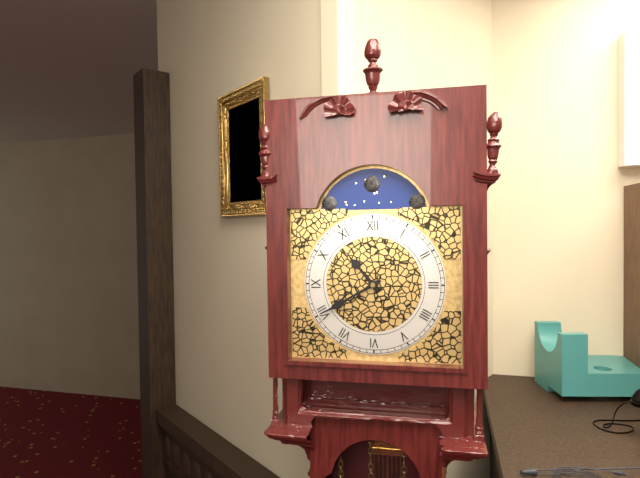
10:40
